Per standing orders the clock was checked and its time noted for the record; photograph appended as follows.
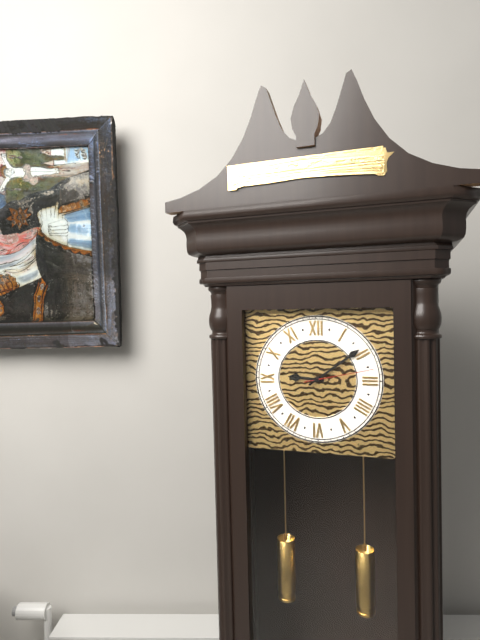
9:09:13
